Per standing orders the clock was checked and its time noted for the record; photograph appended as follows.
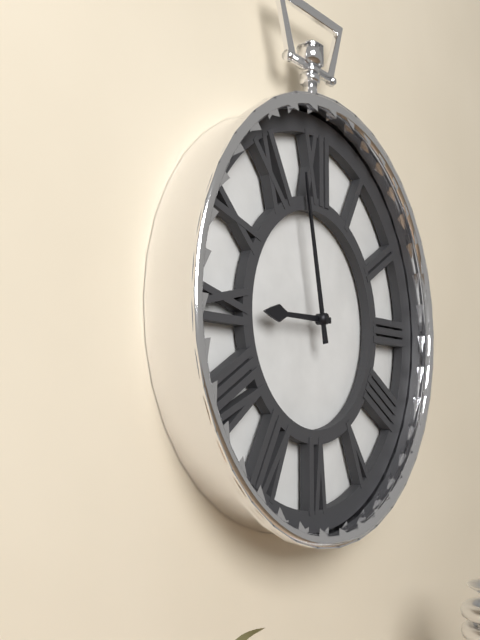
8:58
